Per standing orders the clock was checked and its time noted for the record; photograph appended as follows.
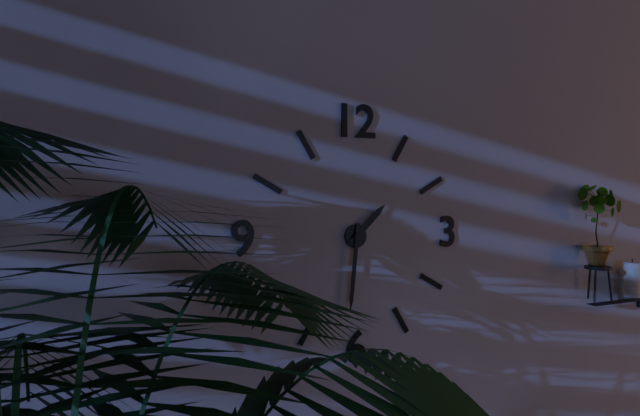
1:31
